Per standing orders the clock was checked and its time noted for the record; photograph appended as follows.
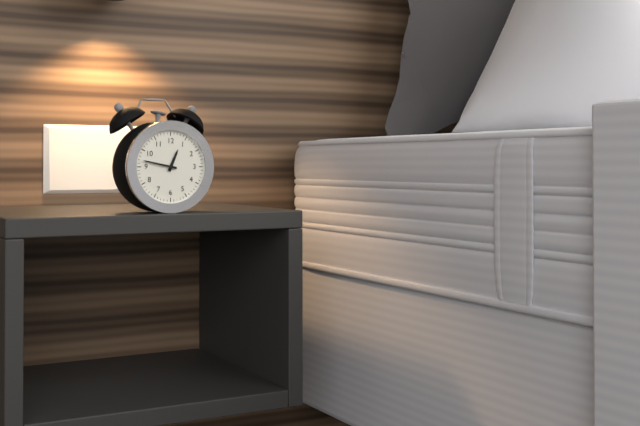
12:47
